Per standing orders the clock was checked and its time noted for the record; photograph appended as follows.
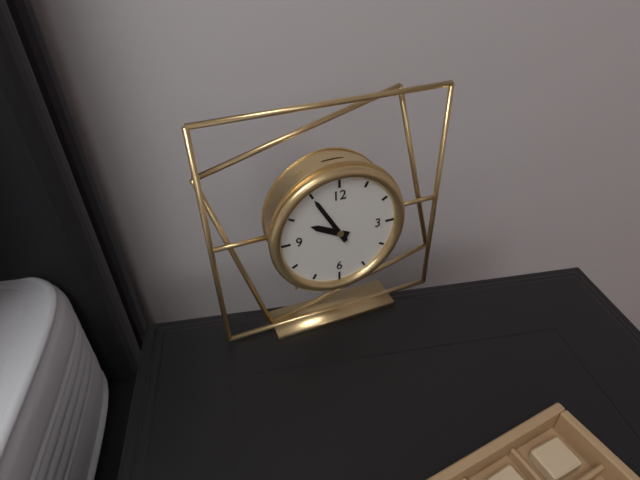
9:55
